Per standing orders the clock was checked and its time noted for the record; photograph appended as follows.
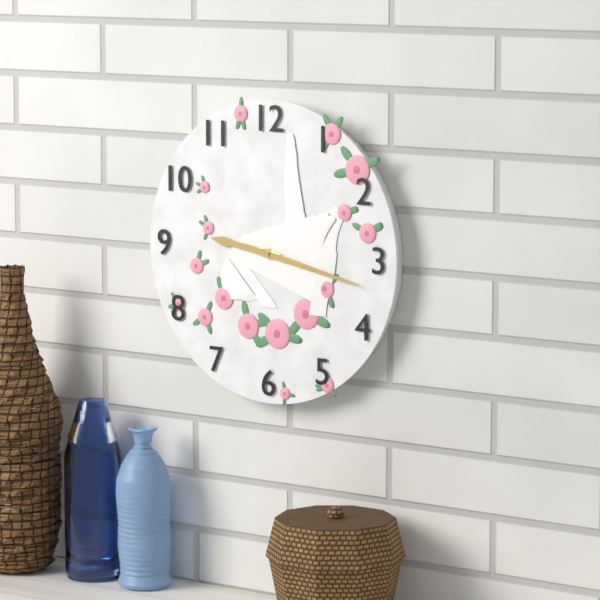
9:17
